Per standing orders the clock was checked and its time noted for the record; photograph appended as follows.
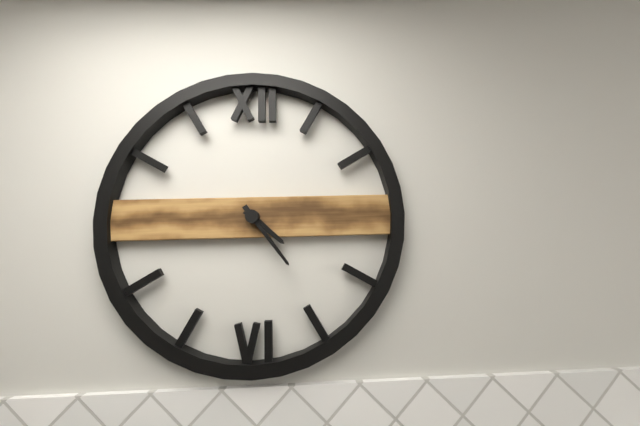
4:24
